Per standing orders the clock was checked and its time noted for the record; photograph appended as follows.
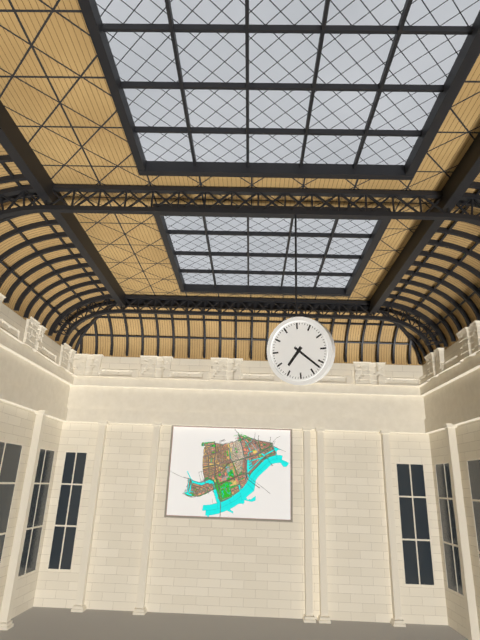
7:22
